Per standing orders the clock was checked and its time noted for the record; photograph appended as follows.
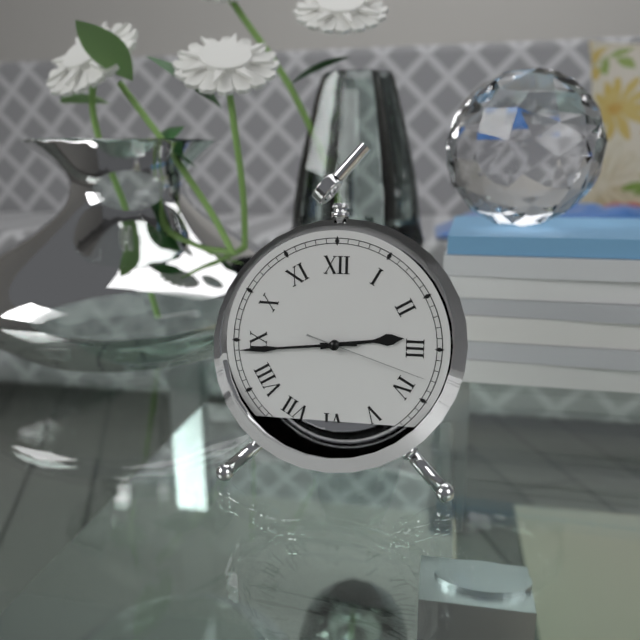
2:44:18
